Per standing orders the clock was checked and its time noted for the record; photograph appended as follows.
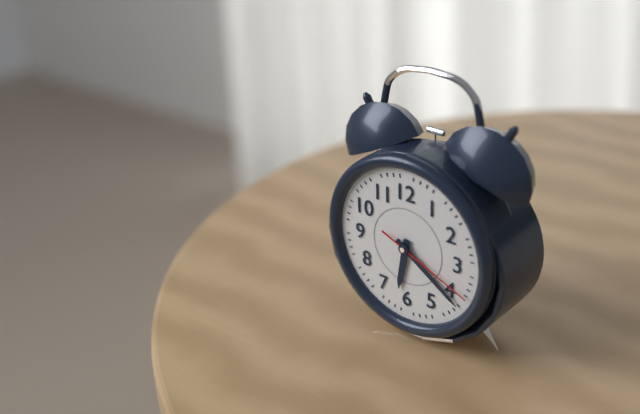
6:21:19
